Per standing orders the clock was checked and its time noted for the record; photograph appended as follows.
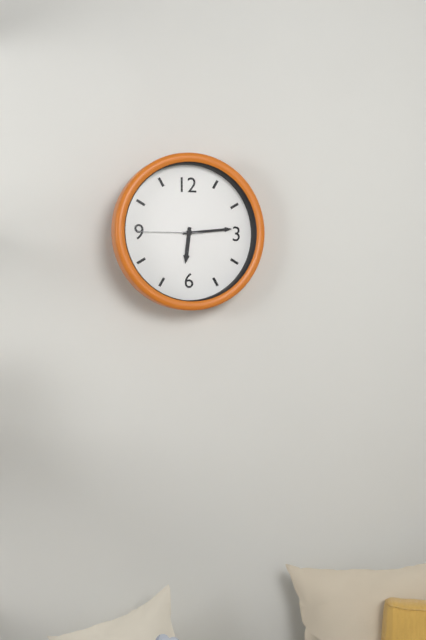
6:14:45
